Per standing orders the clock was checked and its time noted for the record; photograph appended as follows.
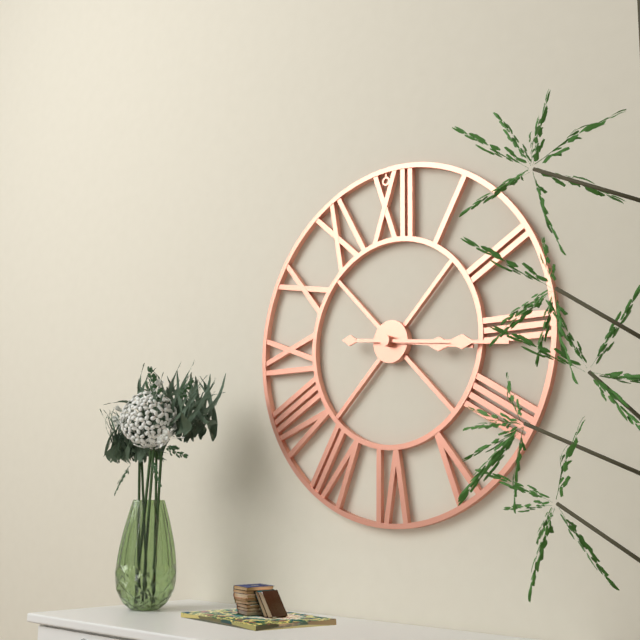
3:16
